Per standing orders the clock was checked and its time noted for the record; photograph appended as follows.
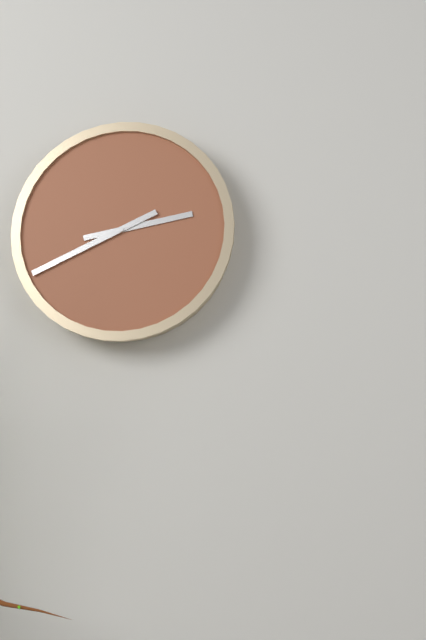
2:41
